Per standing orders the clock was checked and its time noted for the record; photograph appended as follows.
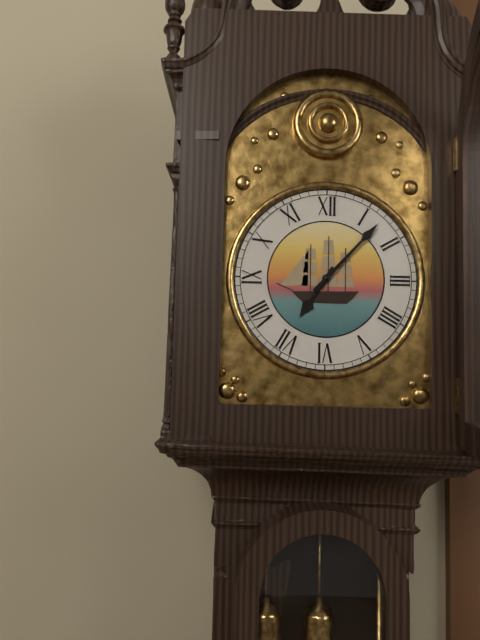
7:07
